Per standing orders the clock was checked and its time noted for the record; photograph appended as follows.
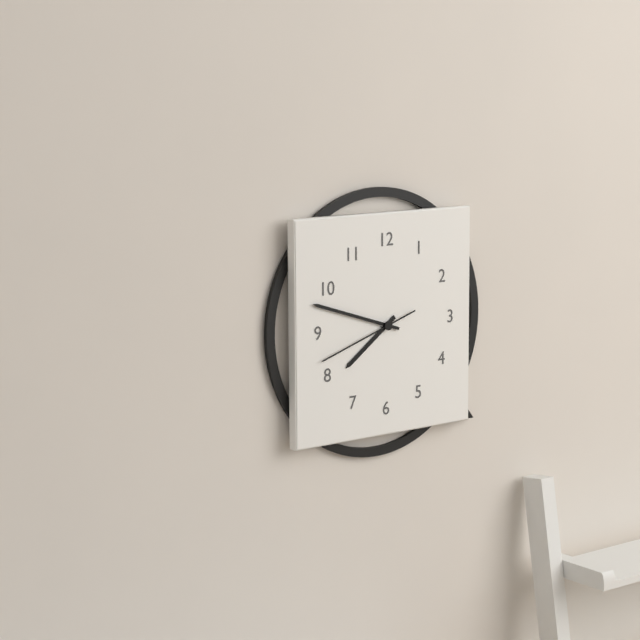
7:48:42
